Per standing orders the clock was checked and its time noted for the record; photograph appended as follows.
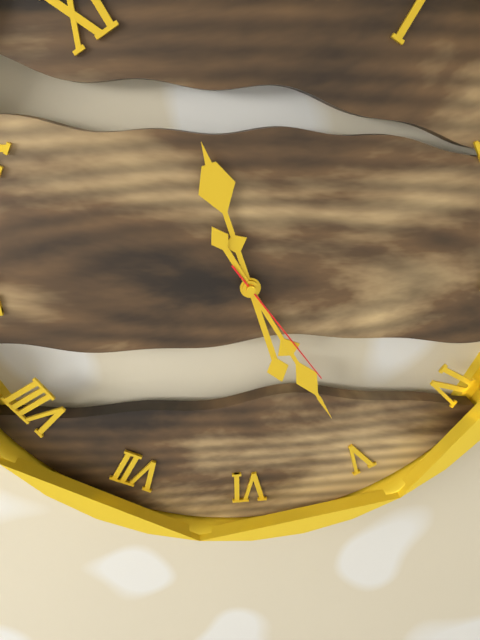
11:25:24
